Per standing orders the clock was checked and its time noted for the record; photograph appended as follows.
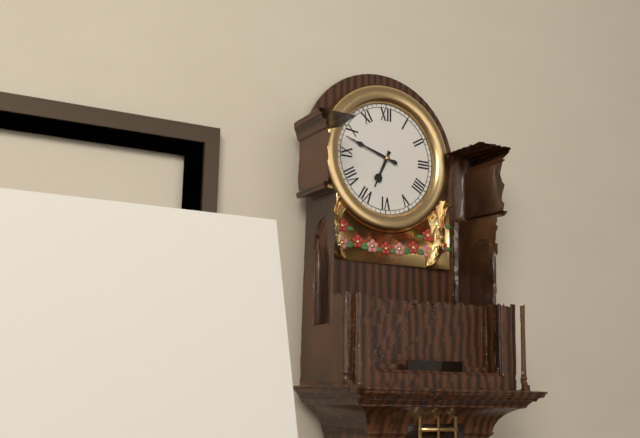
6:48
